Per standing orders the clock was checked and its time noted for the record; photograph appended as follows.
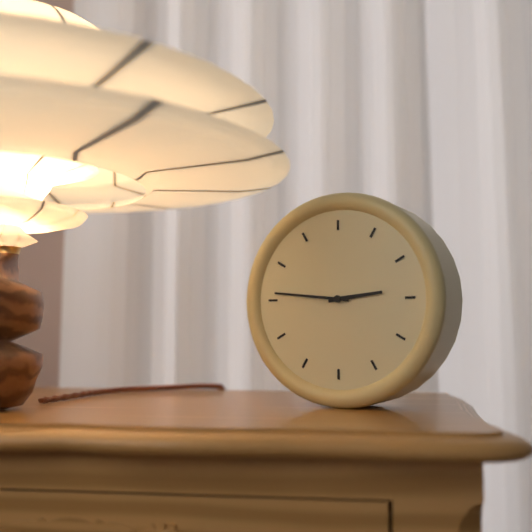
2:46
